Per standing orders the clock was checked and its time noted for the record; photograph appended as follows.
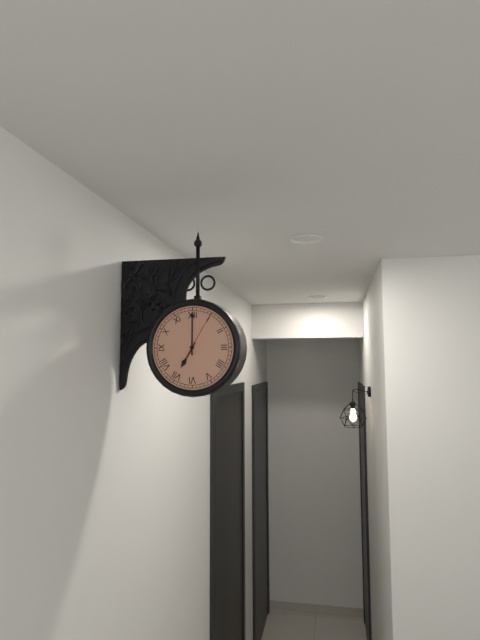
7:00
